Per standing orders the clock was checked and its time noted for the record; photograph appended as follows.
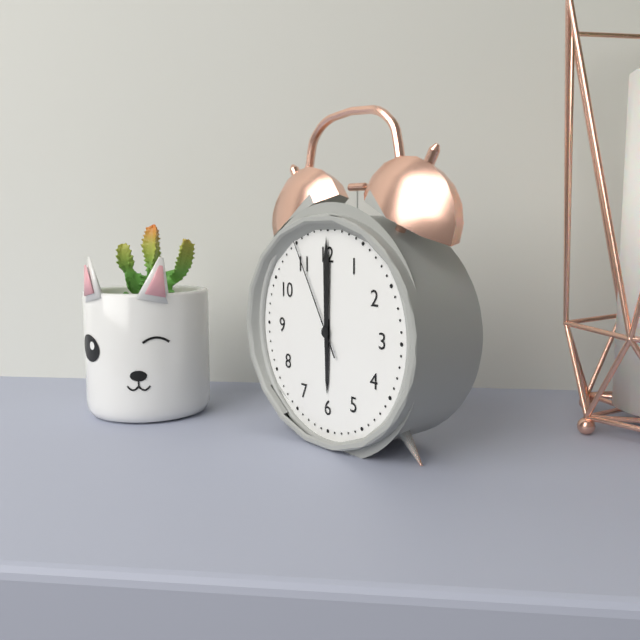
6:00:55
